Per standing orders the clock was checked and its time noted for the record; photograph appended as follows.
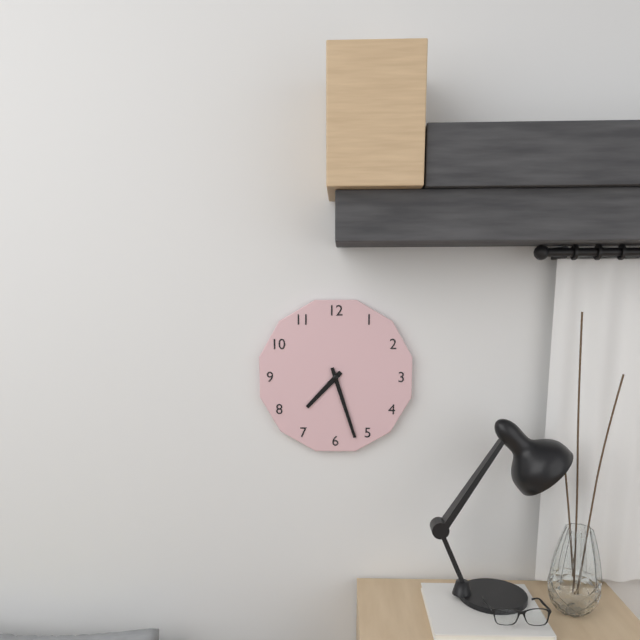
7:27
